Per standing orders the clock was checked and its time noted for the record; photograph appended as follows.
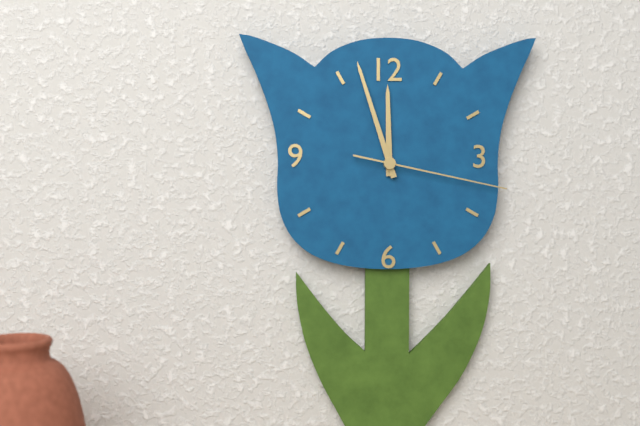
11:57:17
